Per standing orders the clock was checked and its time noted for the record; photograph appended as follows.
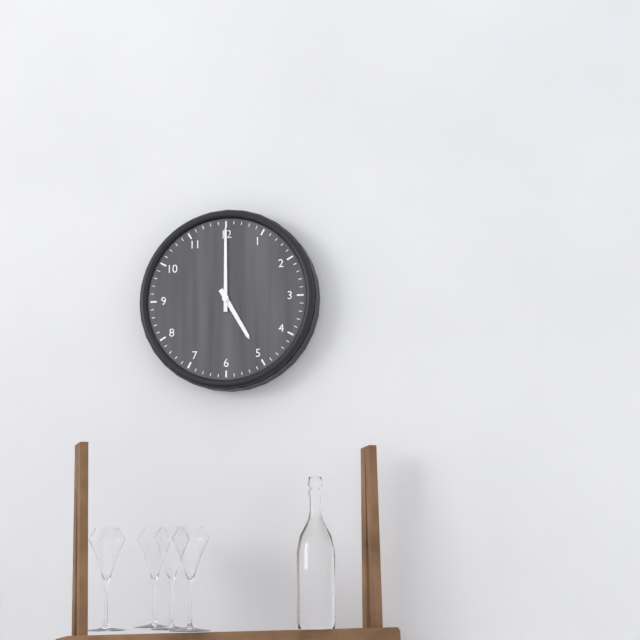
5:00
